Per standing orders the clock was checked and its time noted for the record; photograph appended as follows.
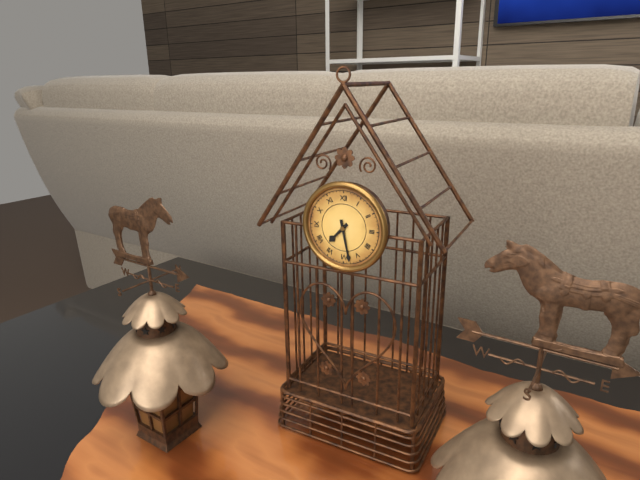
7:28
